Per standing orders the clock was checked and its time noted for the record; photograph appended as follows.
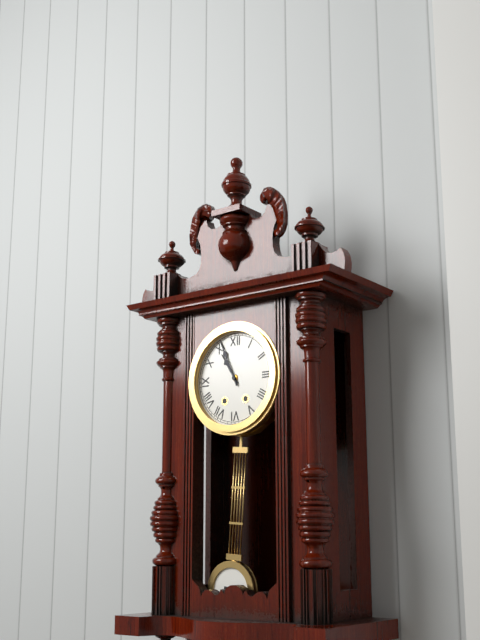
10:56
